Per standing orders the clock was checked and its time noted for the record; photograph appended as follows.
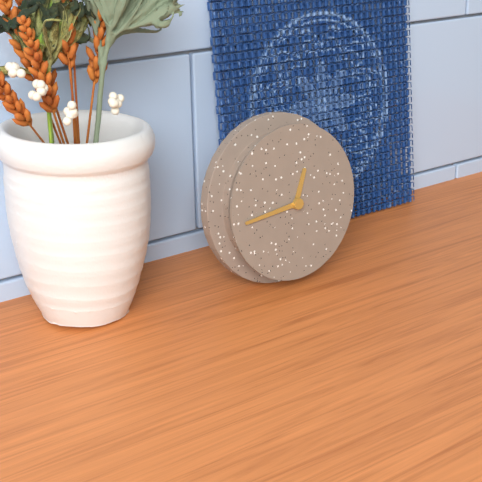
12:44
